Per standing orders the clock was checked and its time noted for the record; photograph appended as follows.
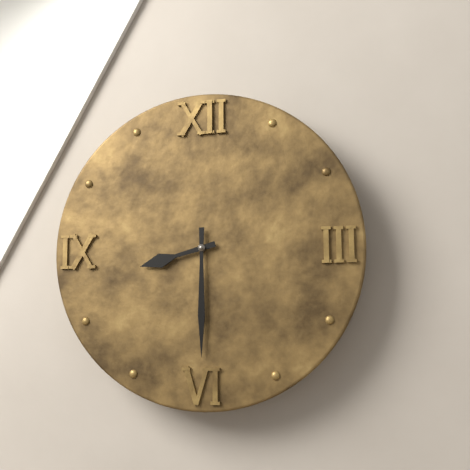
8:30
